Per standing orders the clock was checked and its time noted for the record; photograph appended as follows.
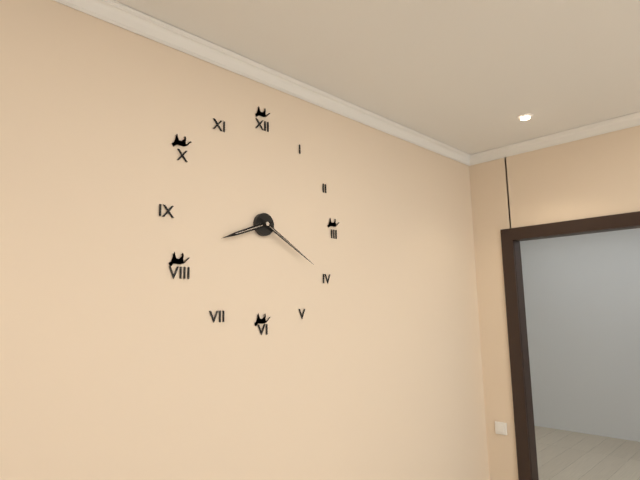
8:20
